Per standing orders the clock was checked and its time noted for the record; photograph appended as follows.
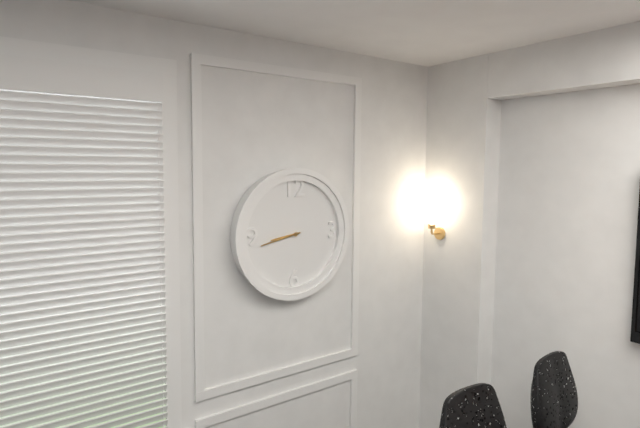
8:43
